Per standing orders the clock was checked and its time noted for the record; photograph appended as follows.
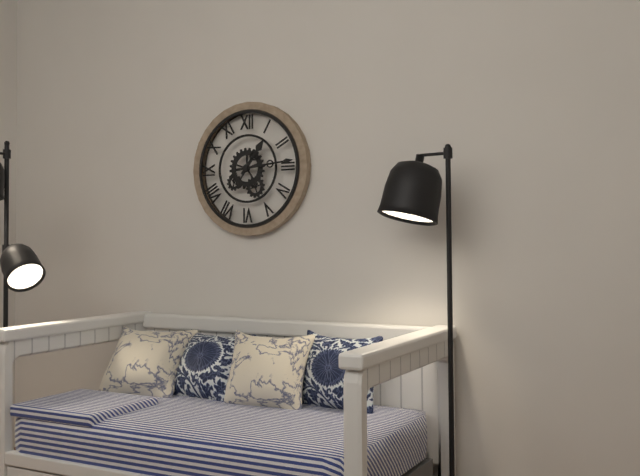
1:14
